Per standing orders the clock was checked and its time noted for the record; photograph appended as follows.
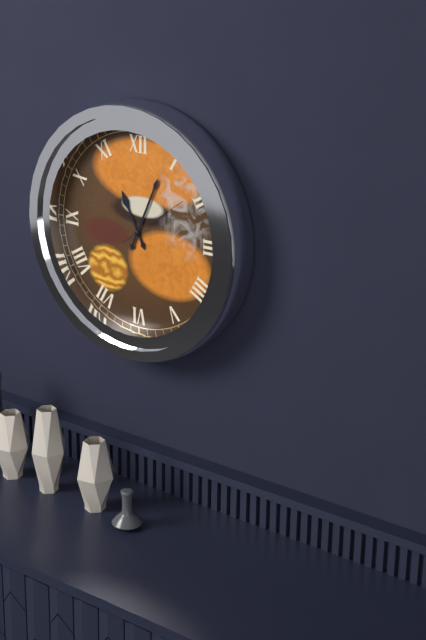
11:04:09
